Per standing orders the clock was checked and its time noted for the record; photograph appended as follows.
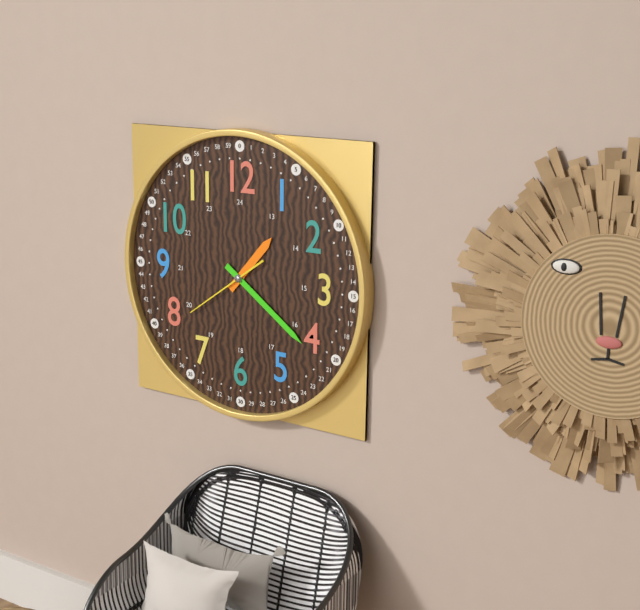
1:21:39
